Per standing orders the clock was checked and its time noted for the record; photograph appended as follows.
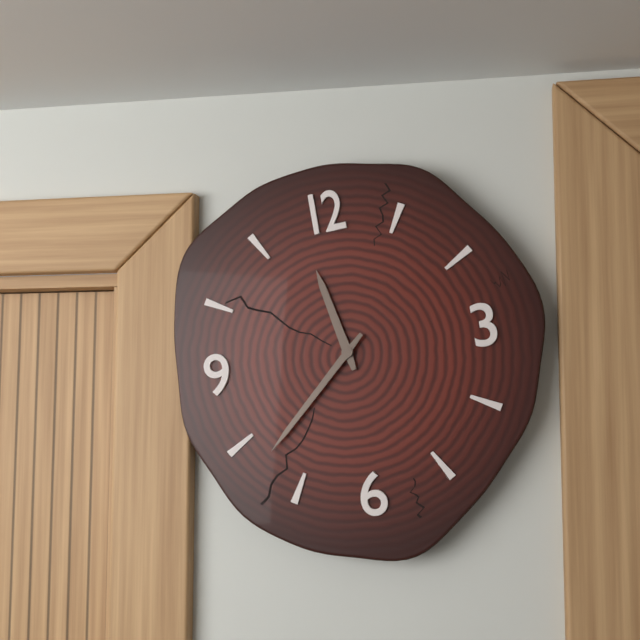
11:38
